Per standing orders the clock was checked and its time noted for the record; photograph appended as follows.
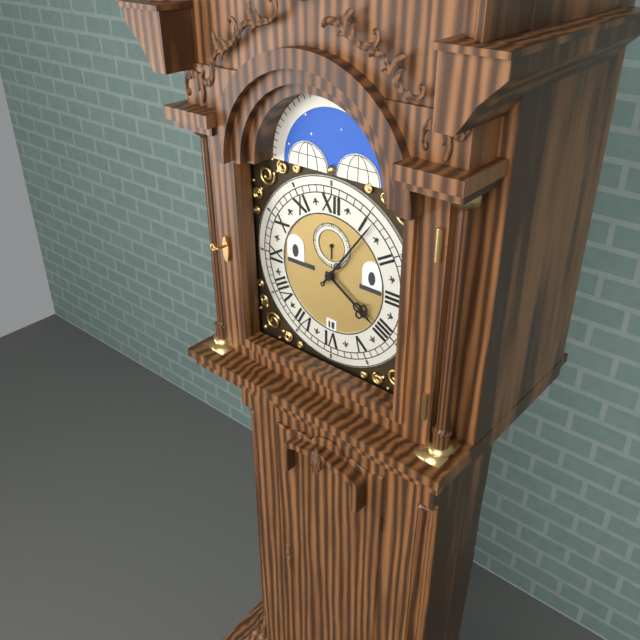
4:06
